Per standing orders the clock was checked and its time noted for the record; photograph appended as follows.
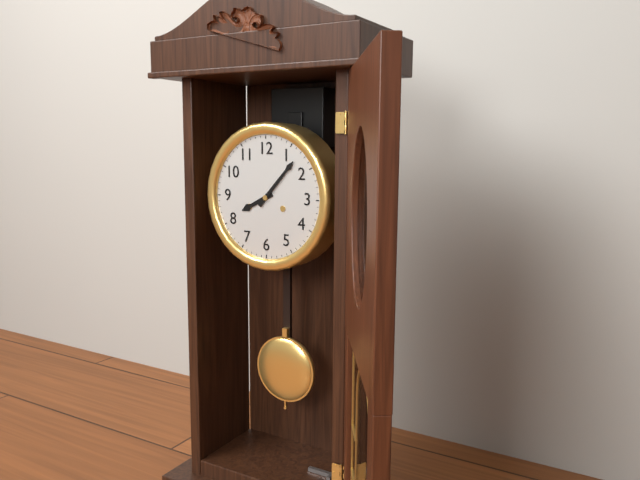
8:07
